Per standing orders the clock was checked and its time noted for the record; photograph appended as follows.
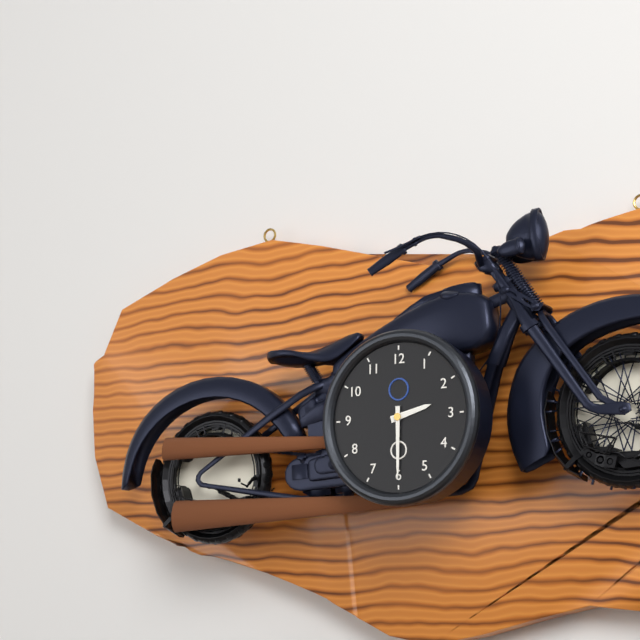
2:30
